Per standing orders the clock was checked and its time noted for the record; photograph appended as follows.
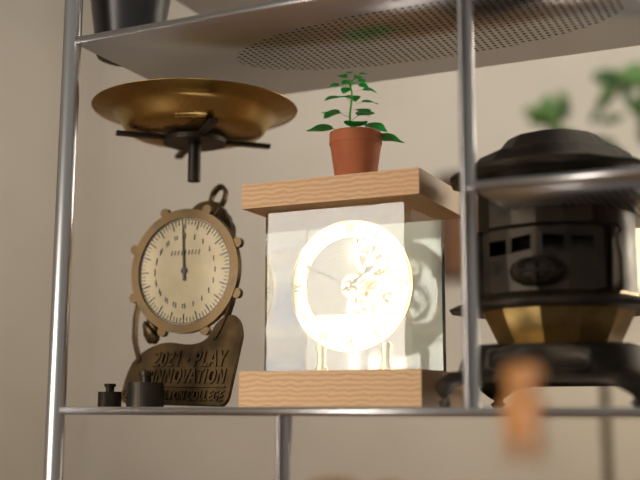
1:49
